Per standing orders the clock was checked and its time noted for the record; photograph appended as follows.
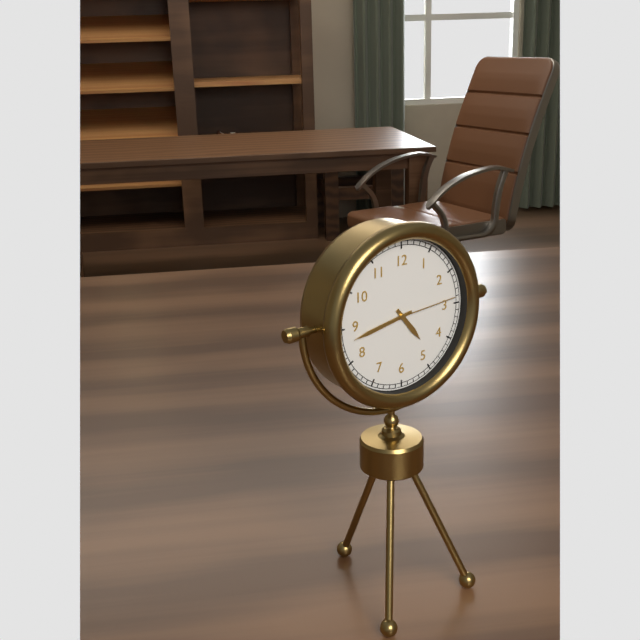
4:43:14
